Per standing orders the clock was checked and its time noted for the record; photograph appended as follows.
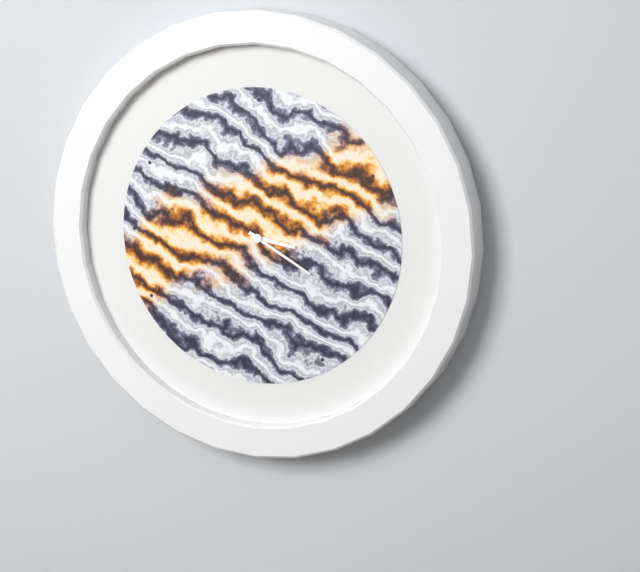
3:20
